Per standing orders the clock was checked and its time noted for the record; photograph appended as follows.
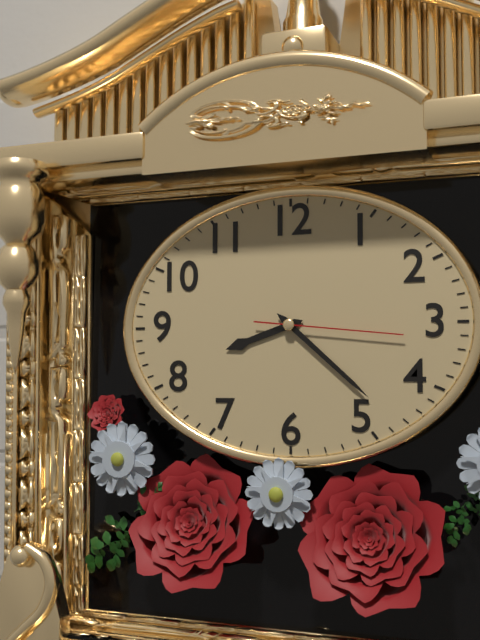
8:22:16
